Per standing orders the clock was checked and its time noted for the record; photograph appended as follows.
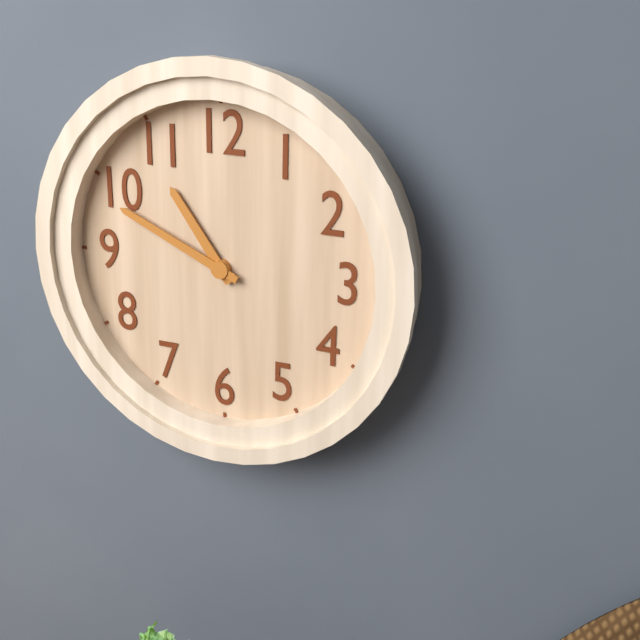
10:49
